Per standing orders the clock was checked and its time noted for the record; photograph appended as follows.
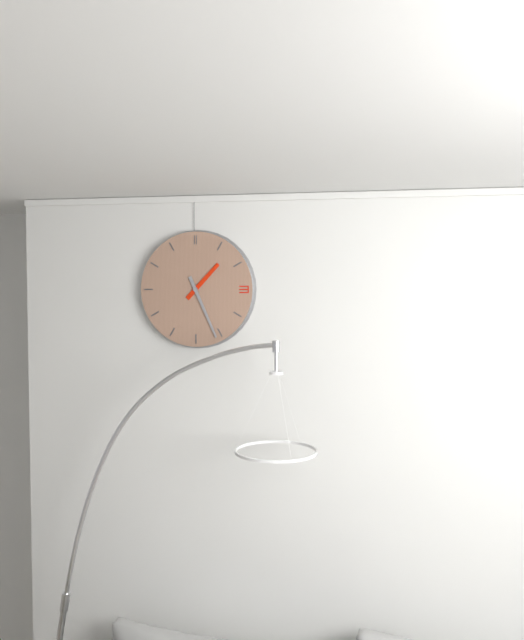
1:26
